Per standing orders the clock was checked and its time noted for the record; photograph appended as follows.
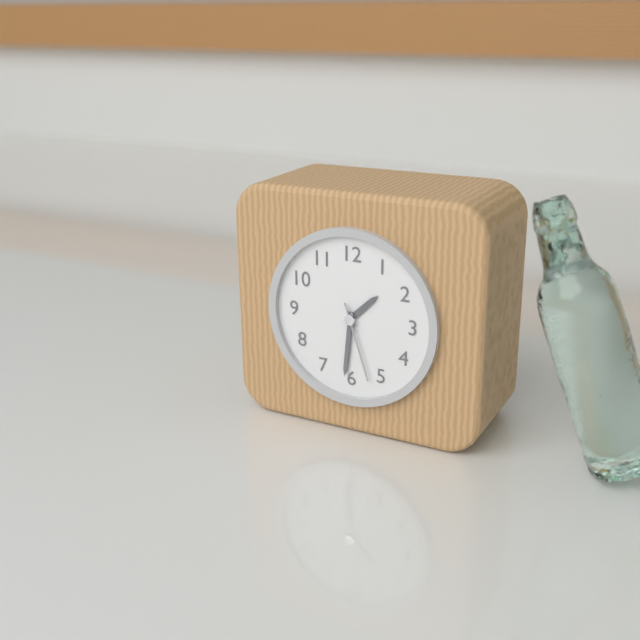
1:31:27
